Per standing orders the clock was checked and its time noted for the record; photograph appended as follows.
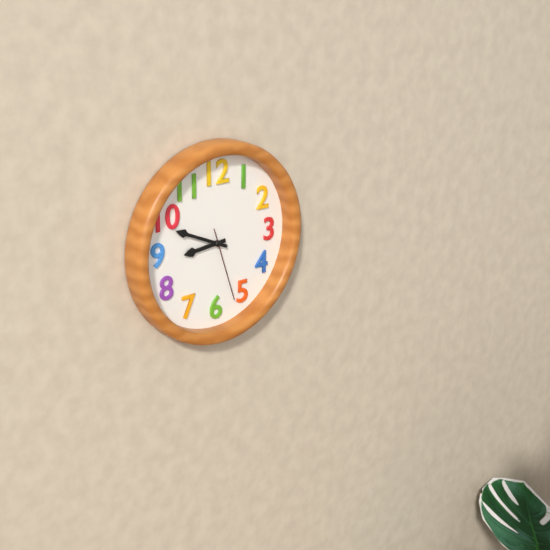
8:49:27
